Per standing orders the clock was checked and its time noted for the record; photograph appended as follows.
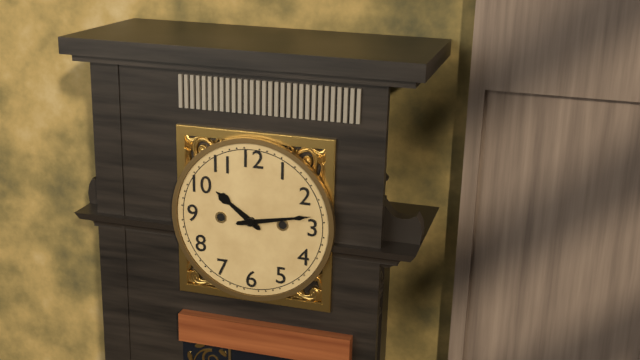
10:13
